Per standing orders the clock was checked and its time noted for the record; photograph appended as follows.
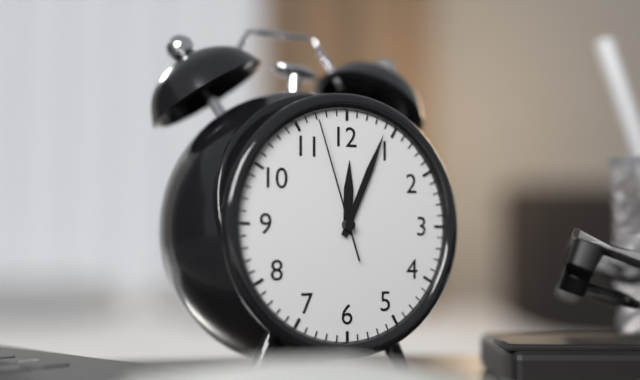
12:04:57
